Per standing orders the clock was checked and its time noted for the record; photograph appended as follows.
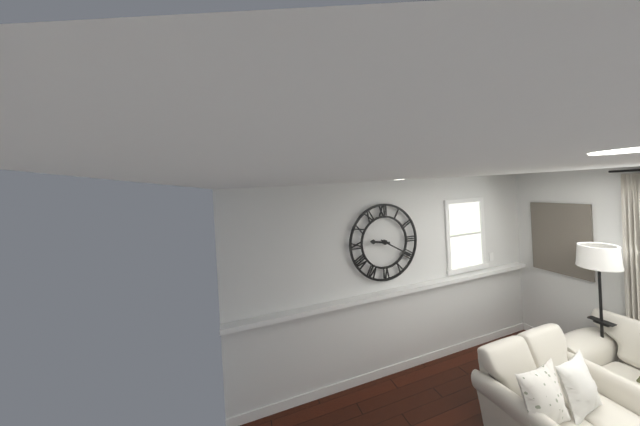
9:20
